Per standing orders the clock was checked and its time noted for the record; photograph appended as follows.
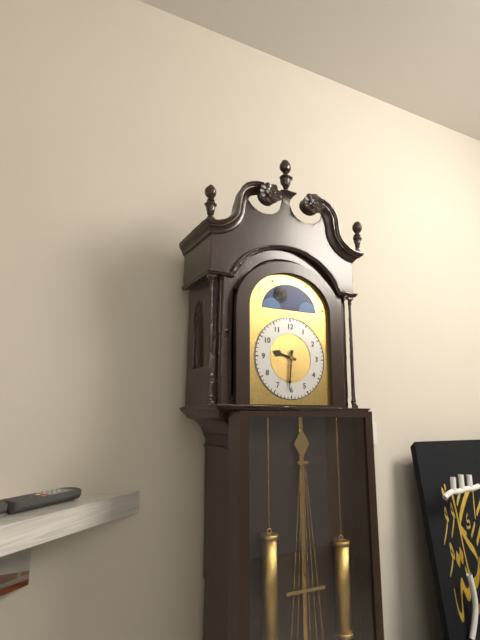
9:31
